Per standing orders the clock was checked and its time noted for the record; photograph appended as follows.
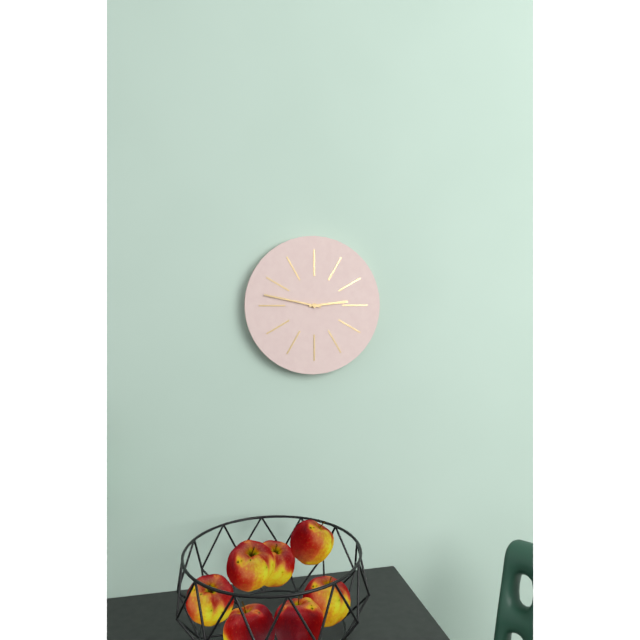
2:47
